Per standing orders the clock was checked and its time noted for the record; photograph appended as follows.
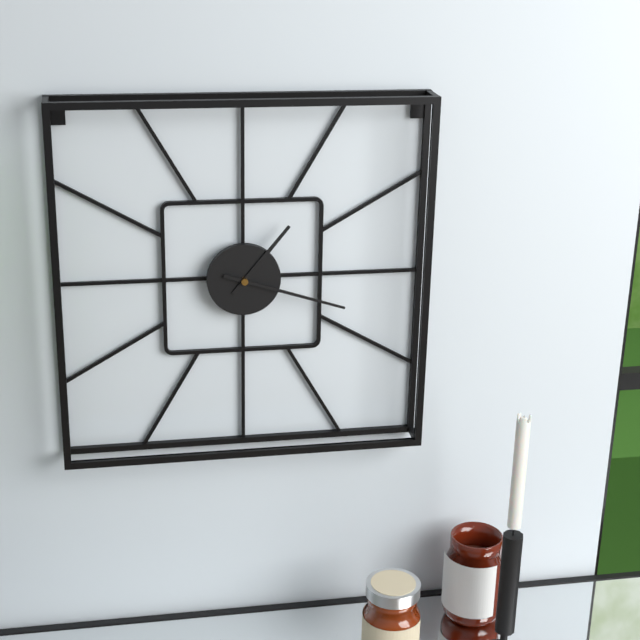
1:18
